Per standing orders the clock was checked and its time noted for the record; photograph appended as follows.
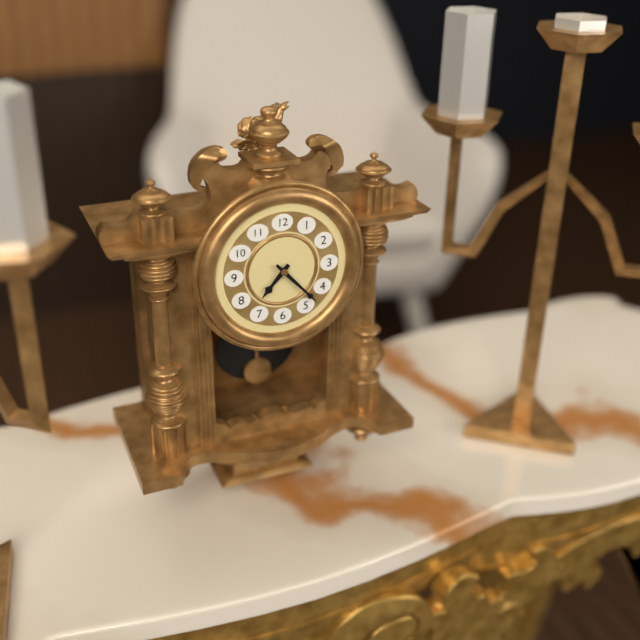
7:23
